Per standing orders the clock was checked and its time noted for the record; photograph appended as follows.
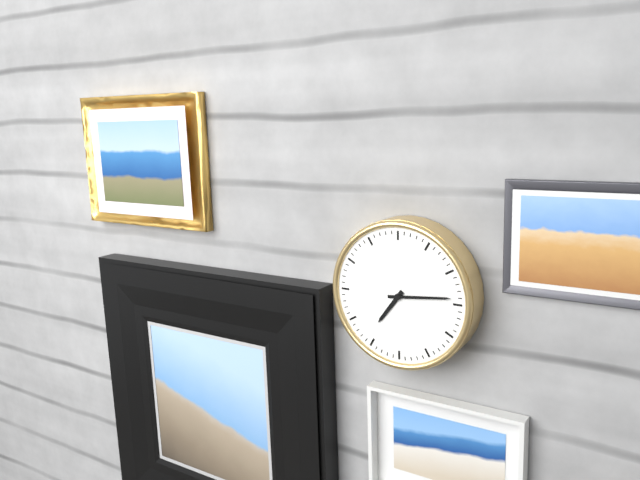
7:14
